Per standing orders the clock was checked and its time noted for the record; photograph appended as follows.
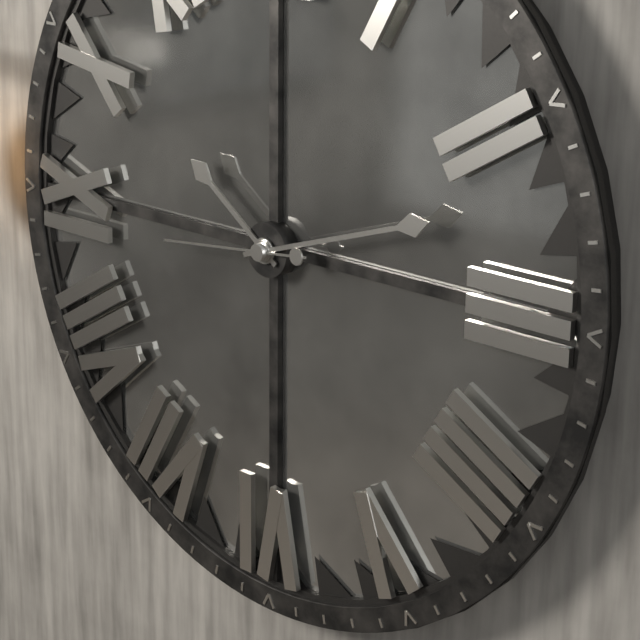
10:12:44
